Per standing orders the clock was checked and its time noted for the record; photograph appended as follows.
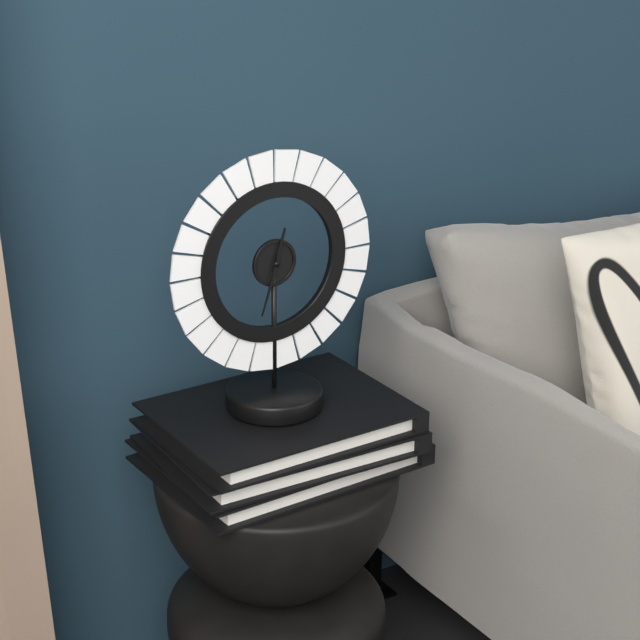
12:33
